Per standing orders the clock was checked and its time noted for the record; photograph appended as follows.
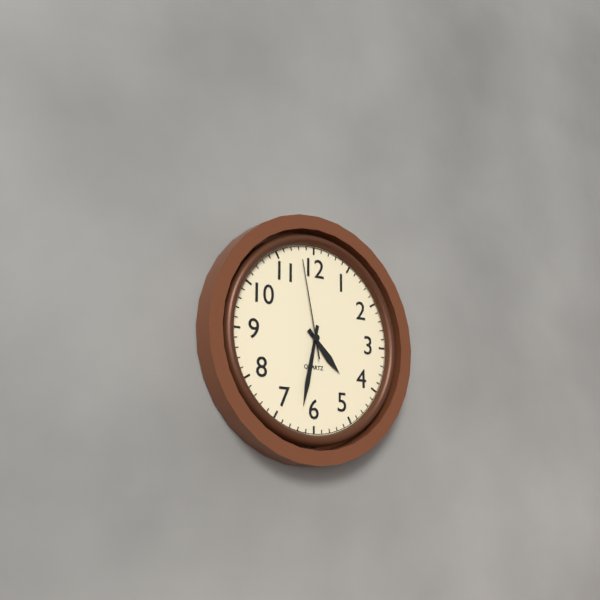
4:32:58
